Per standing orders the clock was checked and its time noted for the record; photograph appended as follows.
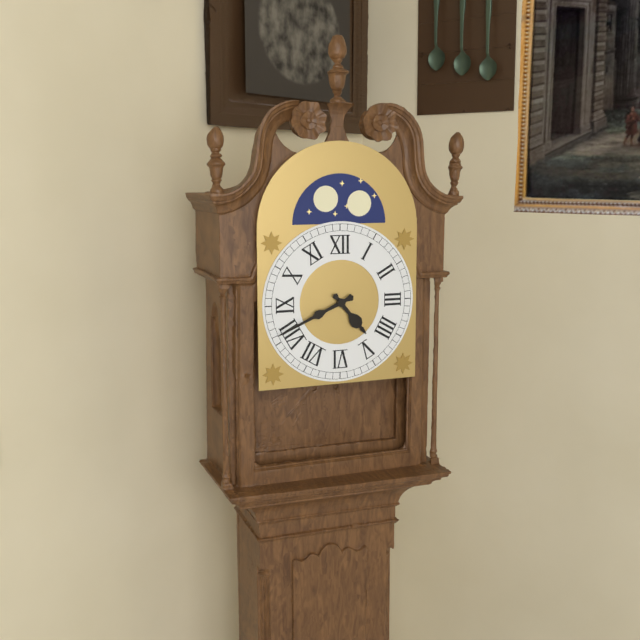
4:41
